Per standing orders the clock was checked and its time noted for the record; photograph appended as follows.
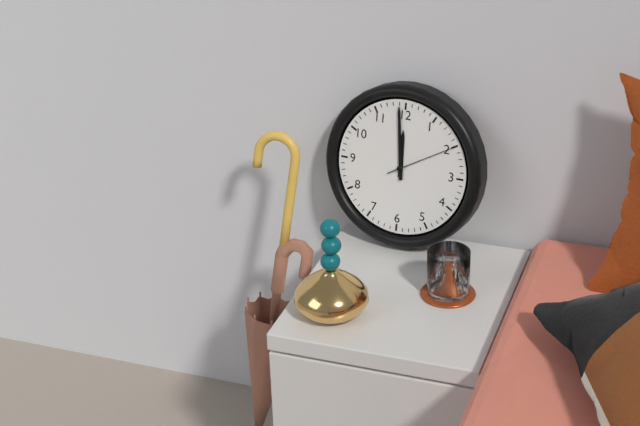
11:59:10
